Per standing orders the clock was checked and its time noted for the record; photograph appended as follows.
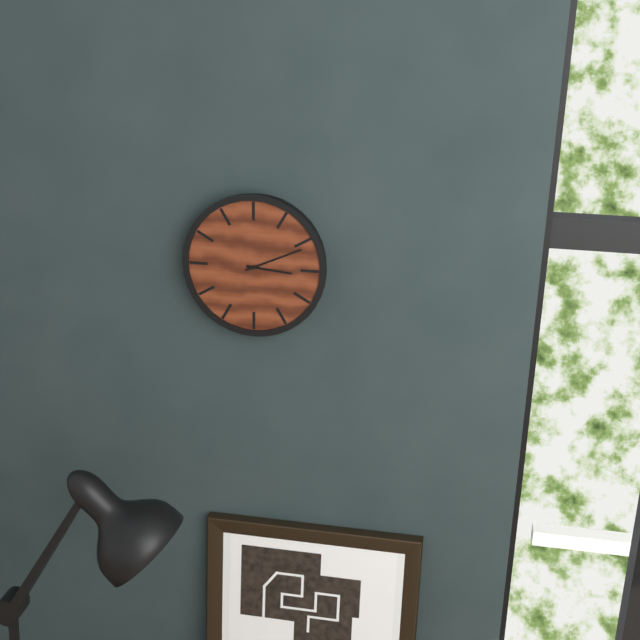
3:11
